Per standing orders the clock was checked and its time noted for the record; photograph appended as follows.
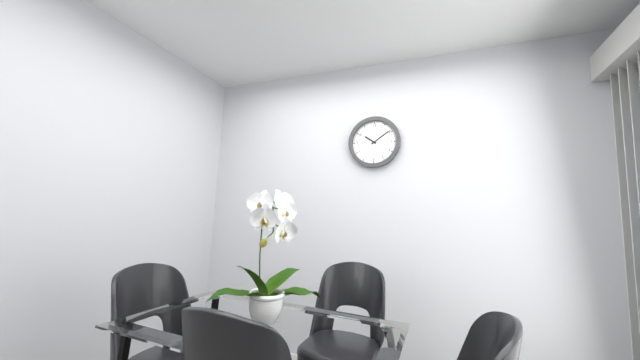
10:09
